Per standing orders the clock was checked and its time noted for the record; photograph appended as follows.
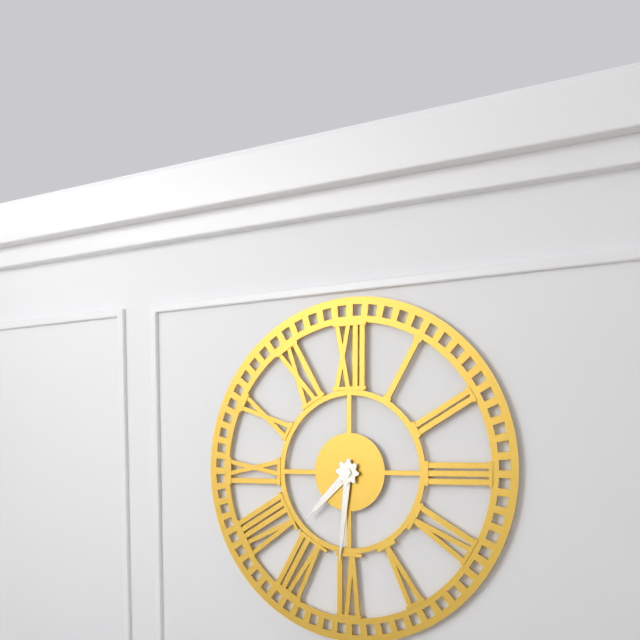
7:31
